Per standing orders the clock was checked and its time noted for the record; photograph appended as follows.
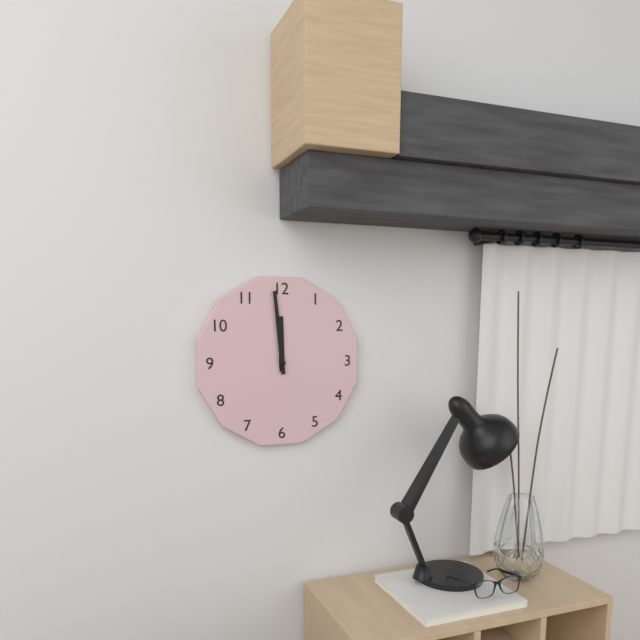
11:59
